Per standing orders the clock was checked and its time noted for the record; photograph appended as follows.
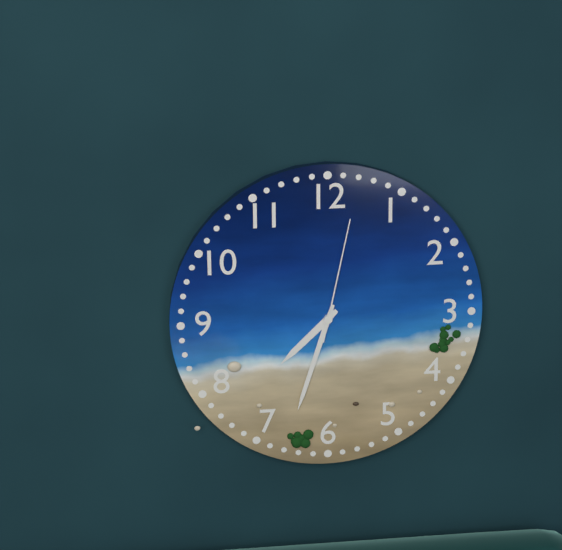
7:33:02
